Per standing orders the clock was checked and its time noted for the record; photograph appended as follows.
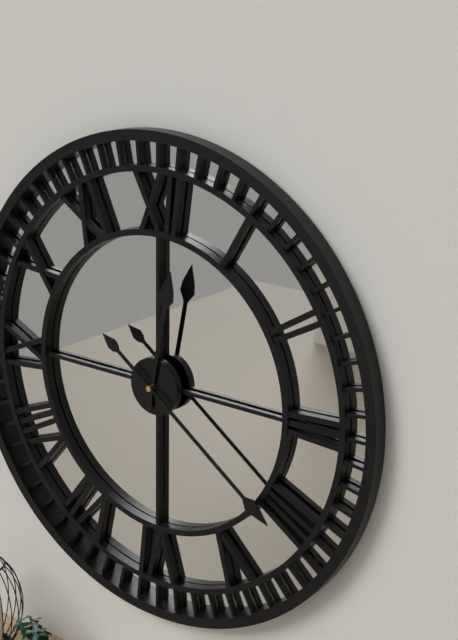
12:21
